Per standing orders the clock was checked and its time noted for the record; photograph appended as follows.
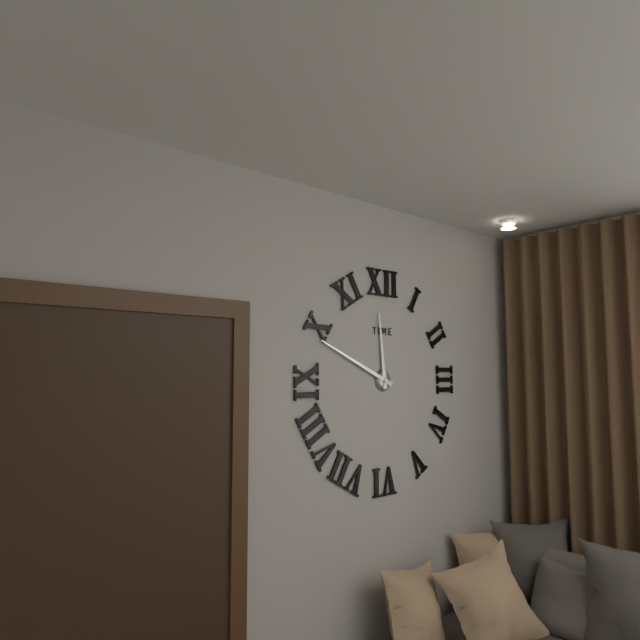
11:49
